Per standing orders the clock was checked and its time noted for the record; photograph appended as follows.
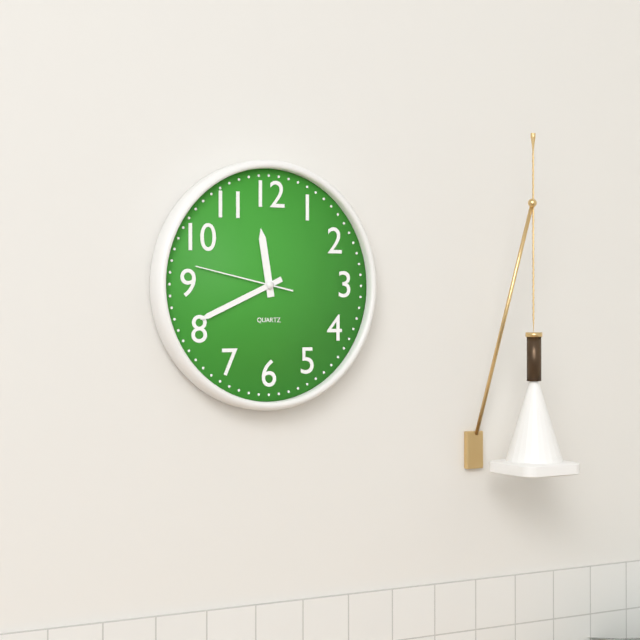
11:41:47
